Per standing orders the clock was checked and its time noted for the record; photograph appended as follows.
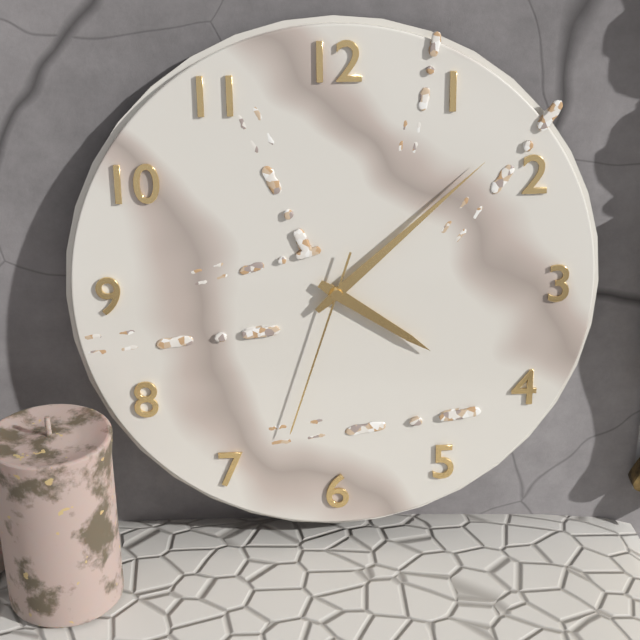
4:08:33
